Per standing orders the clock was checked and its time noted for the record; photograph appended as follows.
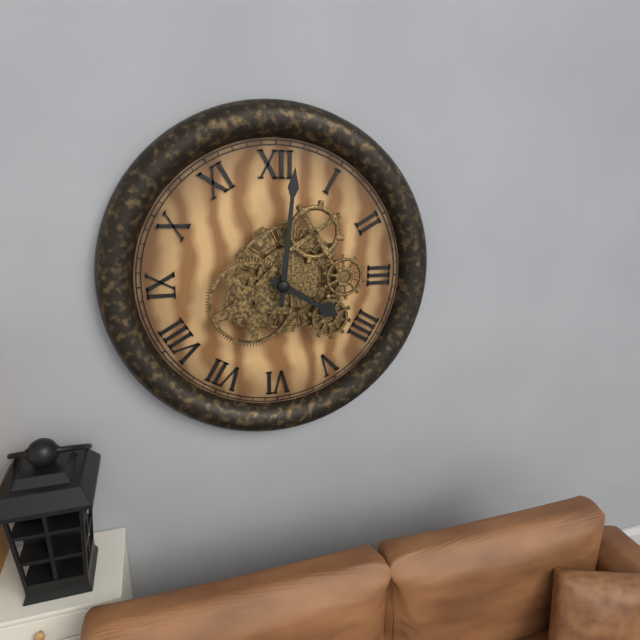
4:01
